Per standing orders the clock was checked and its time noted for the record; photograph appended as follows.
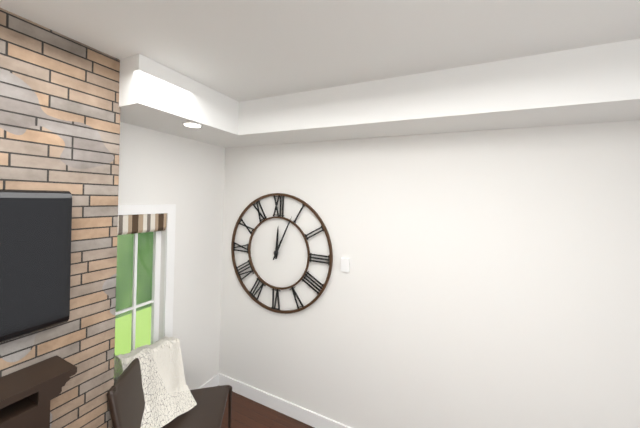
12:04
